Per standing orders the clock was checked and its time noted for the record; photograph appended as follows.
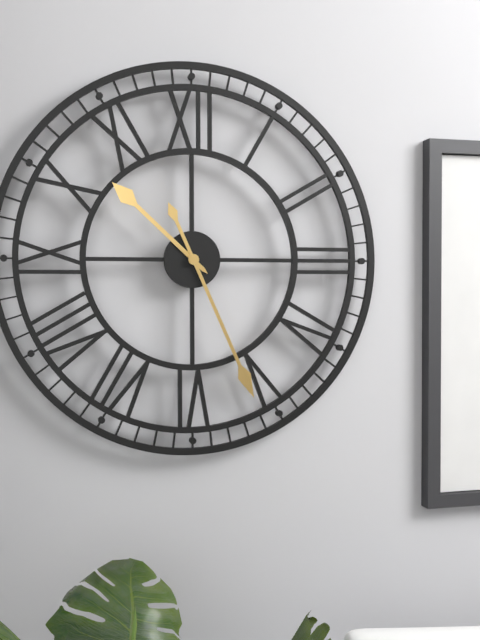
10:26
